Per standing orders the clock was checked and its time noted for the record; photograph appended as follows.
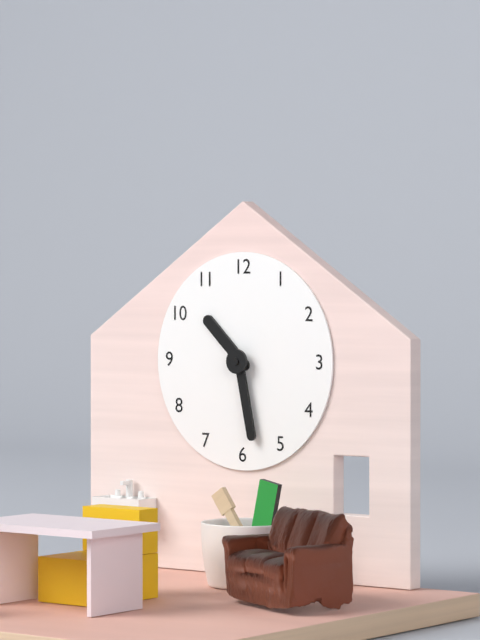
10:28
